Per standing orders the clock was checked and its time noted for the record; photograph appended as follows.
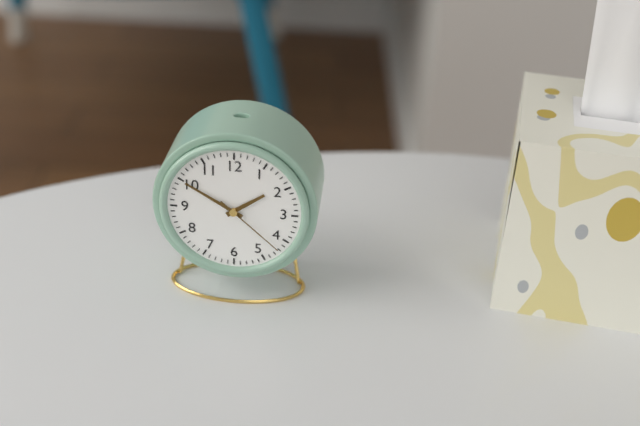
1:50:22
